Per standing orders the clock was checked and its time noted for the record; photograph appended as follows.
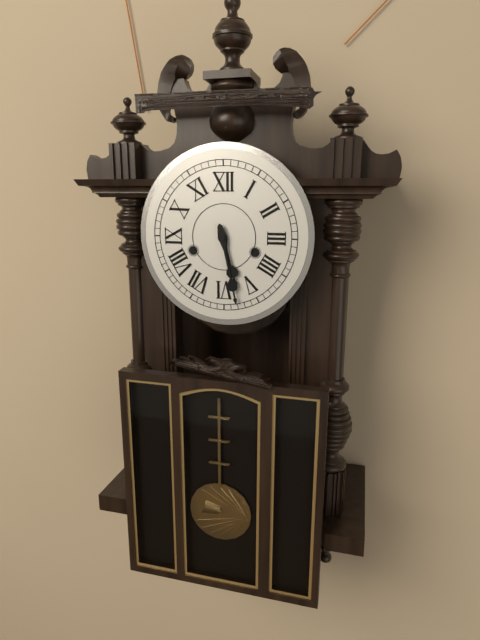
5:28
